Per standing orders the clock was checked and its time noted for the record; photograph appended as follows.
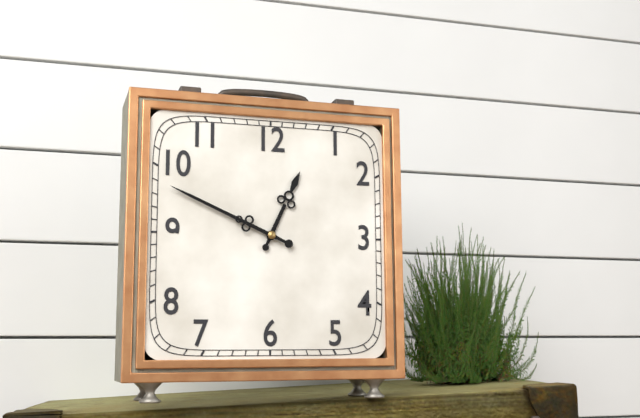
12:49
